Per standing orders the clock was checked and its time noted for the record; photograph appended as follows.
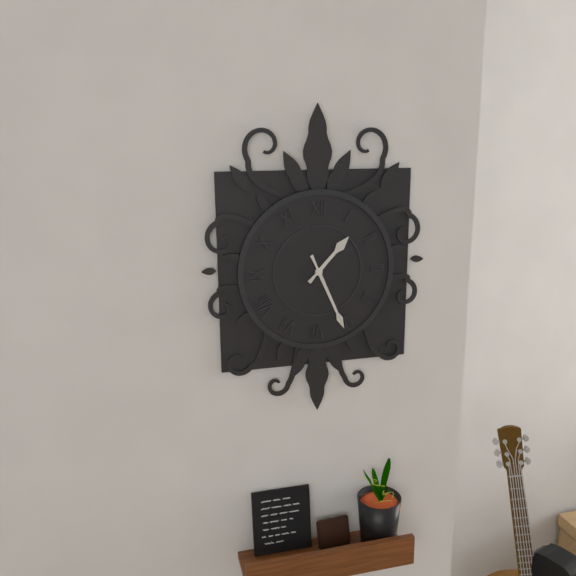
1:26
